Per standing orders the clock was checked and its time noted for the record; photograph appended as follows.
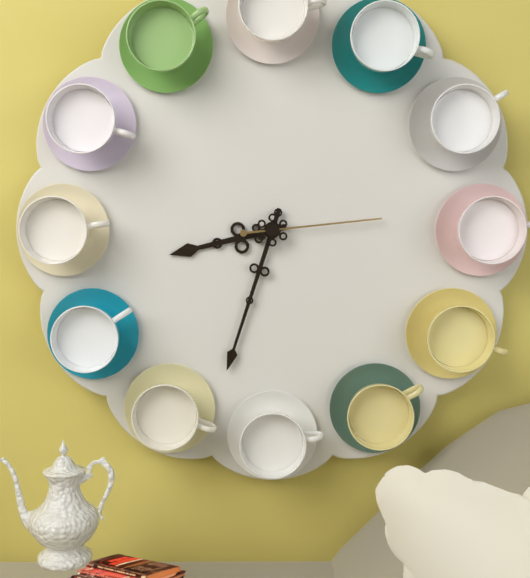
8:33:14
